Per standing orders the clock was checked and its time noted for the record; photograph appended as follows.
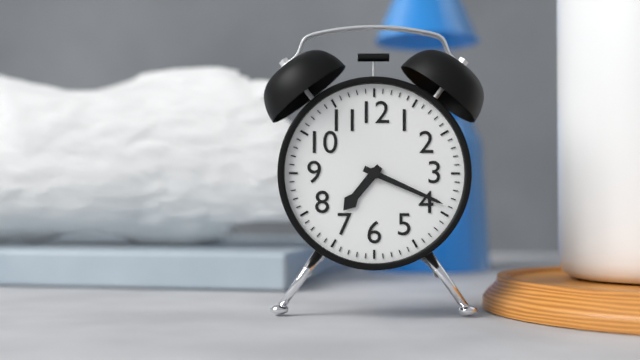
7:19
